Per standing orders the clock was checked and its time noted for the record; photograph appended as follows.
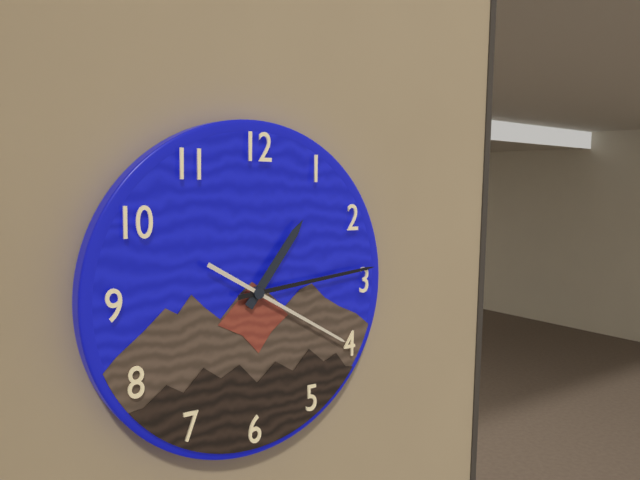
1:14:20
